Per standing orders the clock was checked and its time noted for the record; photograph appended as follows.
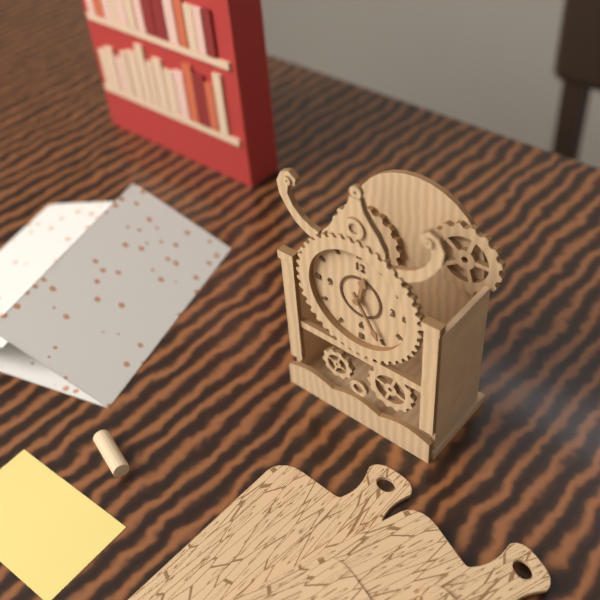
12:25
